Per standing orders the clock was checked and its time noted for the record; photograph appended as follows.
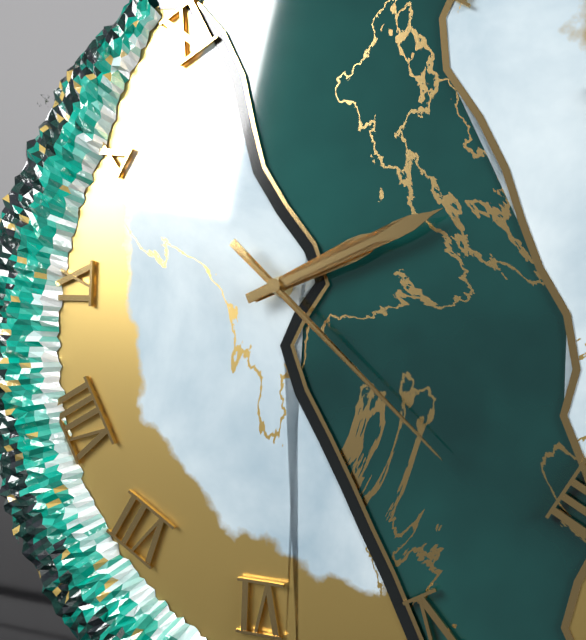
2:11:22
